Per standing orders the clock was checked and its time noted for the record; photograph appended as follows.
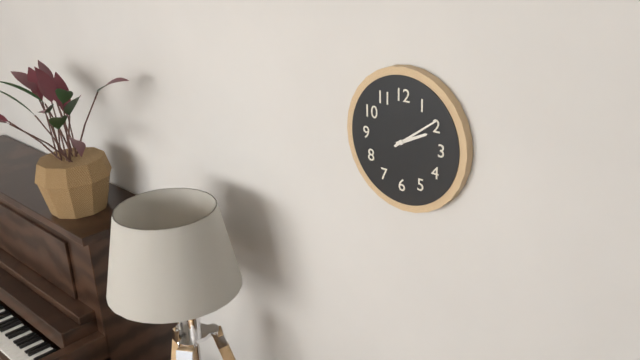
2:09
